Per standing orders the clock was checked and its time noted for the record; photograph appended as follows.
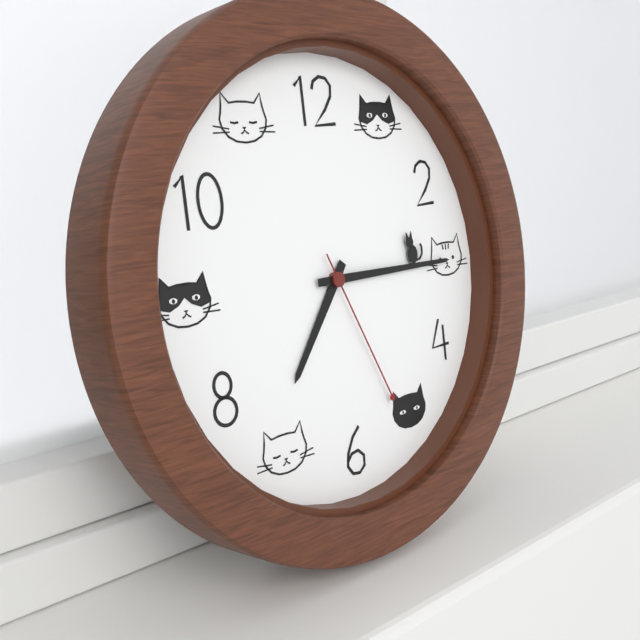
7:15:26
